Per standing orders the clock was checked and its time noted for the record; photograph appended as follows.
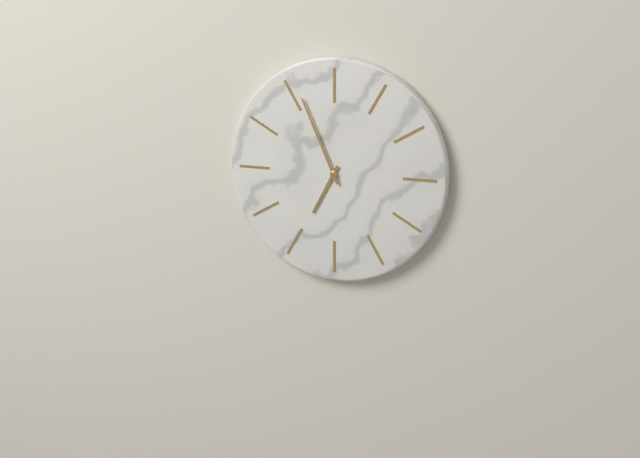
6:56
